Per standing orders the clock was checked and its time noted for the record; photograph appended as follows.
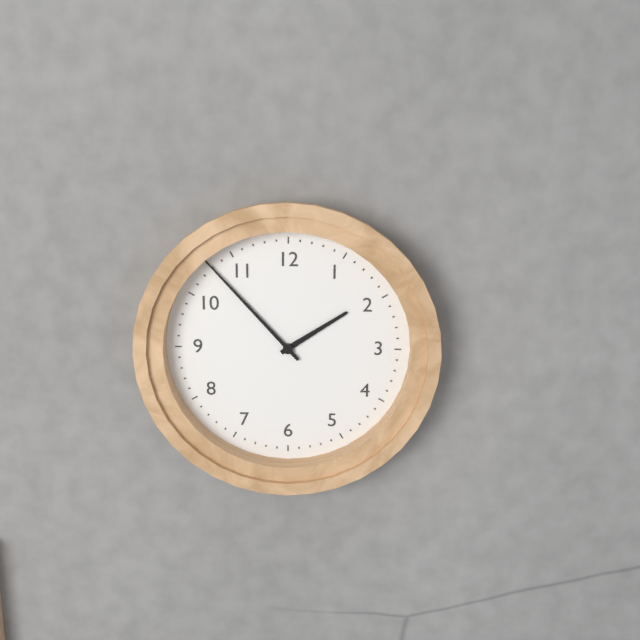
1:53
